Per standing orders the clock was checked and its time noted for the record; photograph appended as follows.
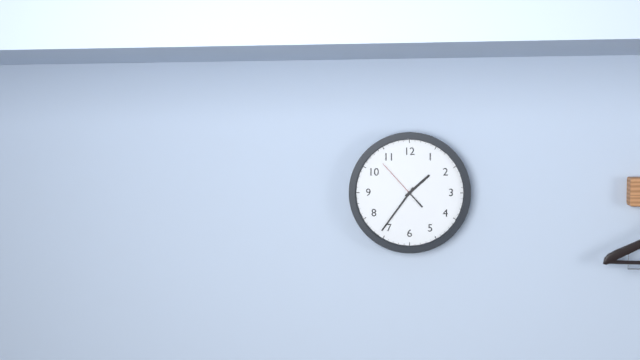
1:36
